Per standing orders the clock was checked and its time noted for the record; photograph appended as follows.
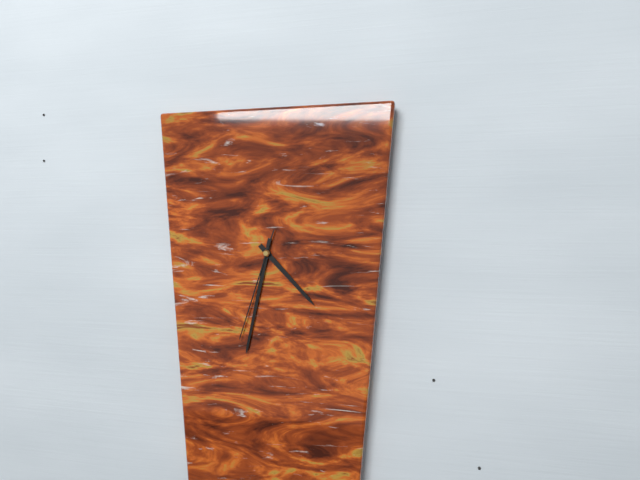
4:32:33
